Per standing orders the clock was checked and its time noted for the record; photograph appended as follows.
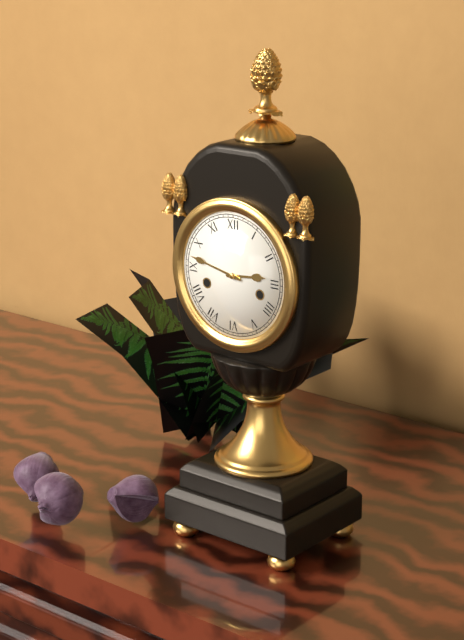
2:47
